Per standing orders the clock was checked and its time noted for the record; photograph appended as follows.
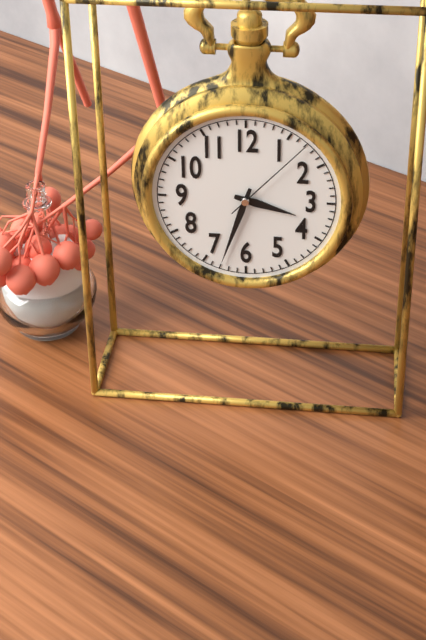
3:33:07
